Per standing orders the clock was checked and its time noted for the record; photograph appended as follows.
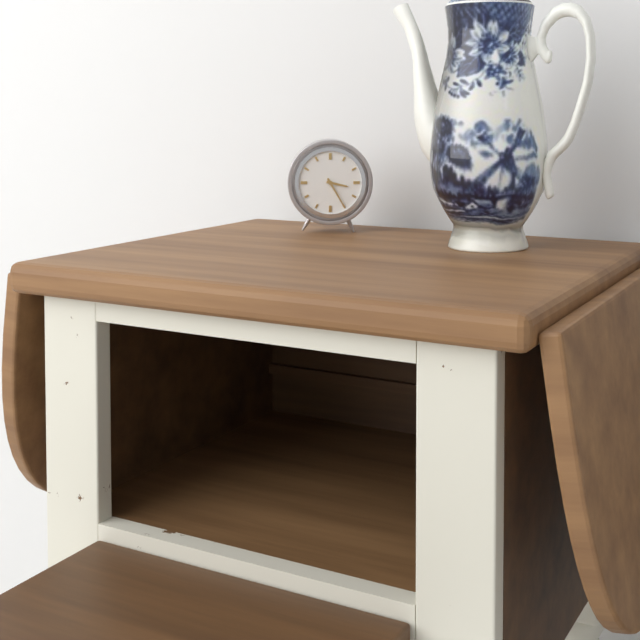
3:25
